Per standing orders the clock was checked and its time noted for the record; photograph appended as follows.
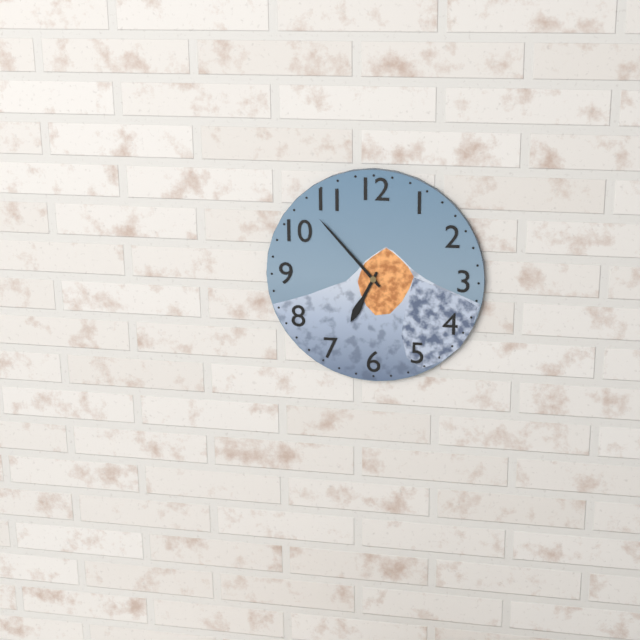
6:53
